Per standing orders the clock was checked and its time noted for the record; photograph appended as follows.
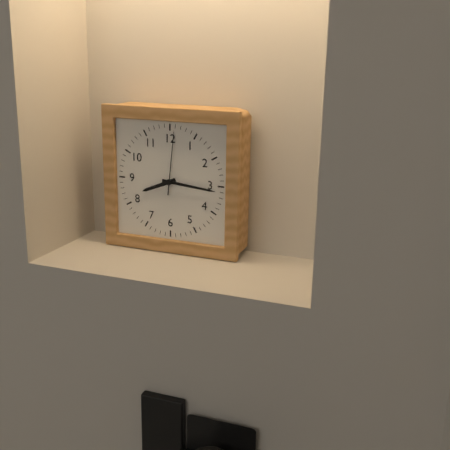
8:16:01
